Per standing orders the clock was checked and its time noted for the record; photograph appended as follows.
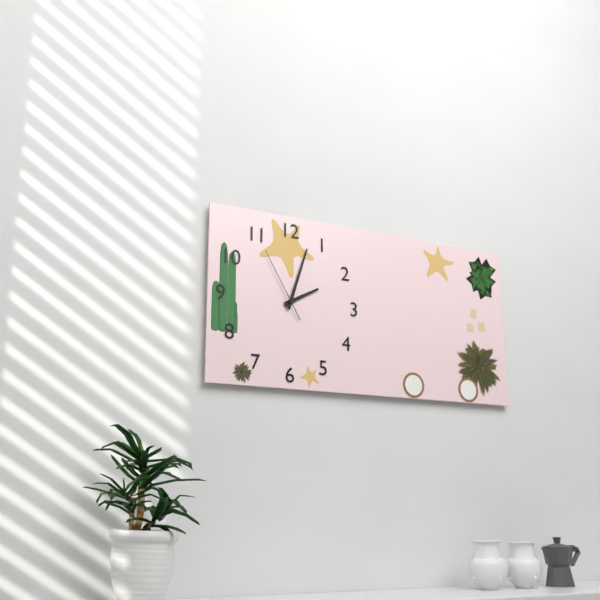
2:03:55
